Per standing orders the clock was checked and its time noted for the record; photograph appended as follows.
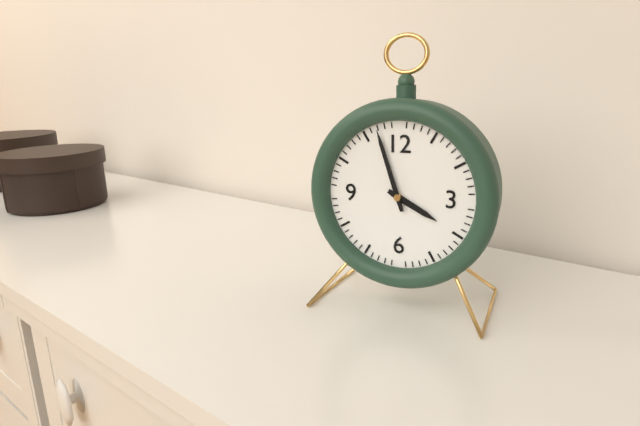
3:57
